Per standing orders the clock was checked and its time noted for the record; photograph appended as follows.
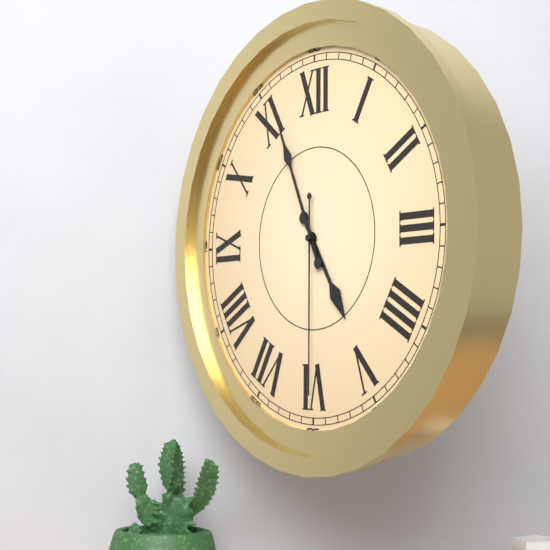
4:56:30
